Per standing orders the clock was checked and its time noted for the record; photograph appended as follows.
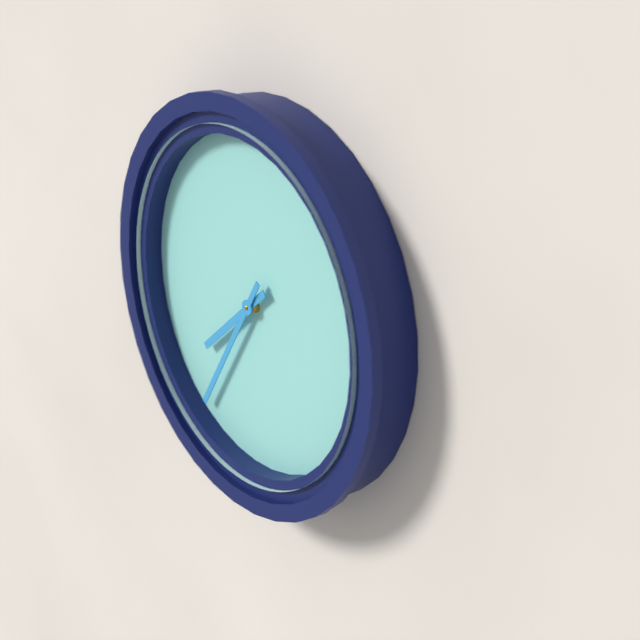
7:35
